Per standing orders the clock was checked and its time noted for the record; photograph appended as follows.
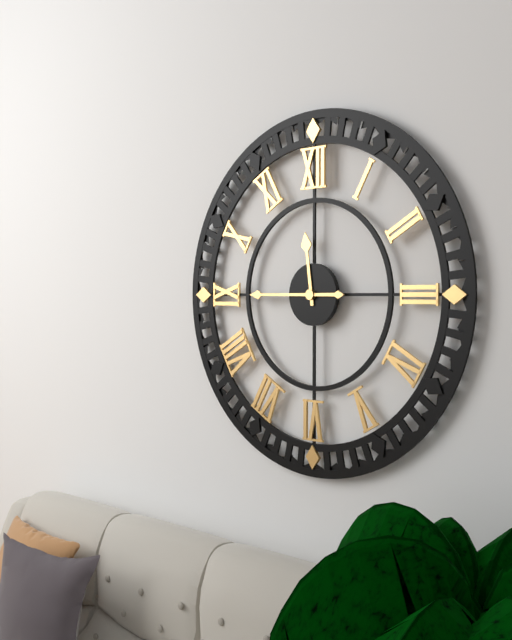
11:45
